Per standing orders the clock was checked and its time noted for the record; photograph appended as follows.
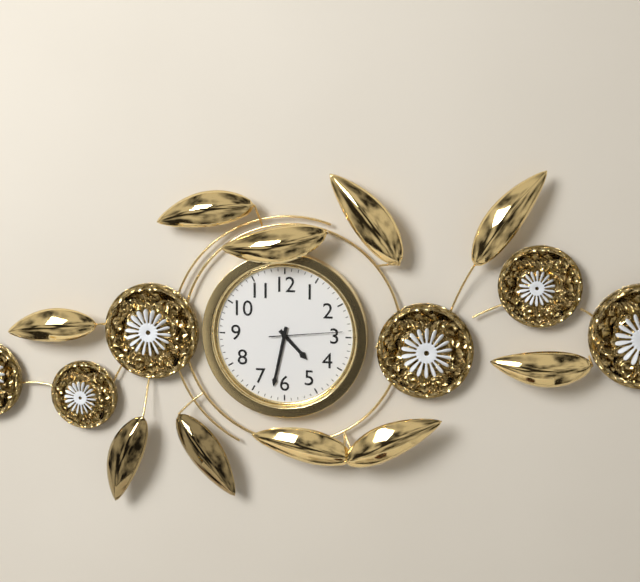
4:32:14
